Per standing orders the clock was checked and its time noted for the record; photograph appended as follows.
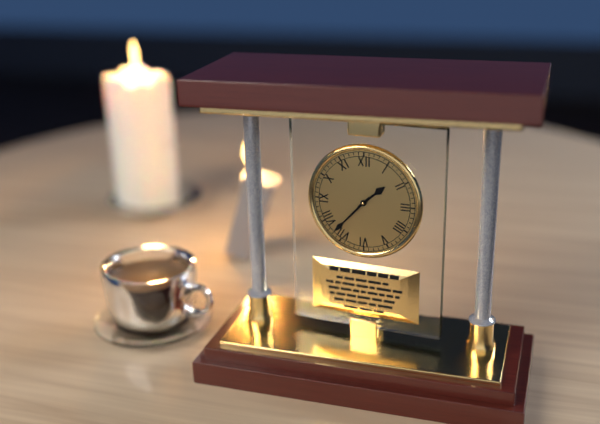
1:37
